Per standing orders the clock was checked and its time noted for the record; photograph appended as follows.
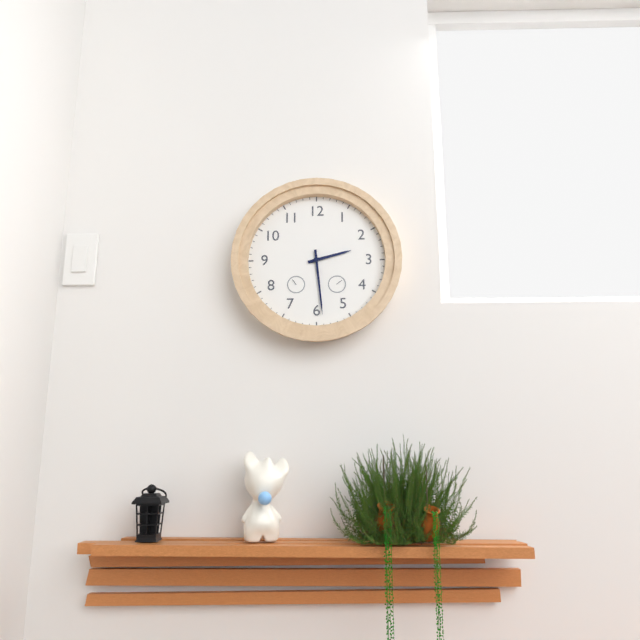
2:29
